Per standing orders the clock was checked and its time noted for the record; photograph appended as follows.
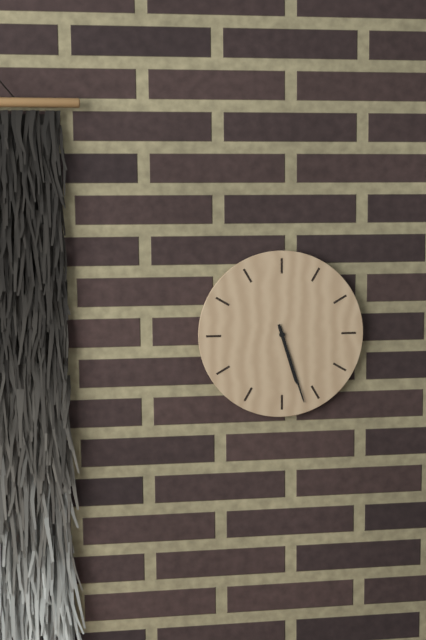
5:27
